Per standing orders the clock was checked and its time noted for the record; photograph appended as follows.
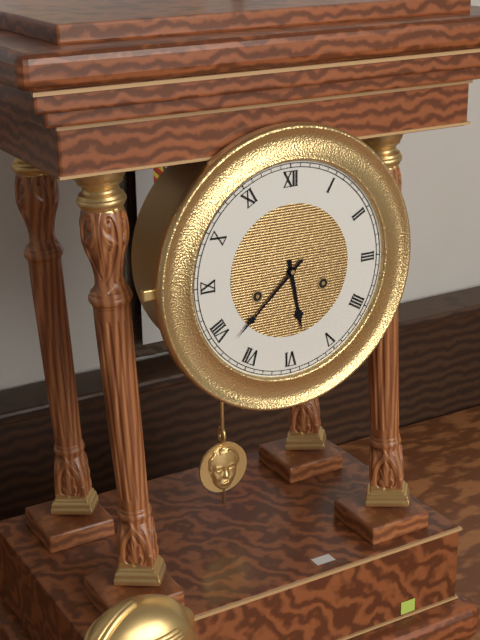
5:38
